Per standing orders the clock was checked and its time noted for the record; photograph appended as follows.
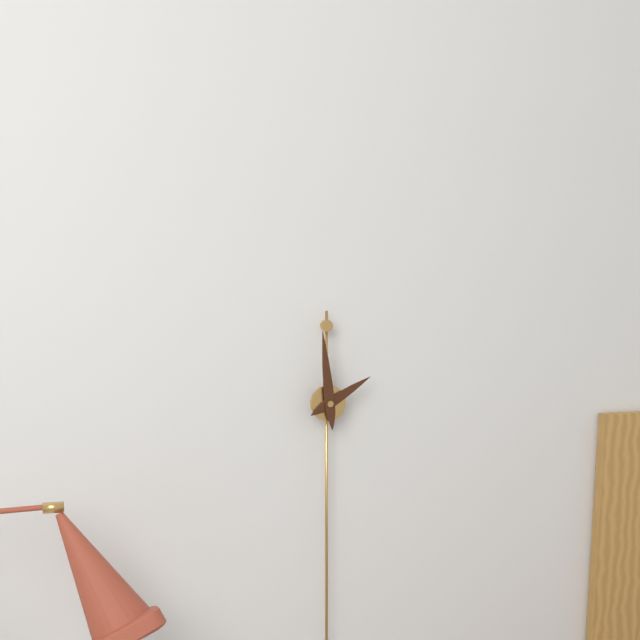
1:59
